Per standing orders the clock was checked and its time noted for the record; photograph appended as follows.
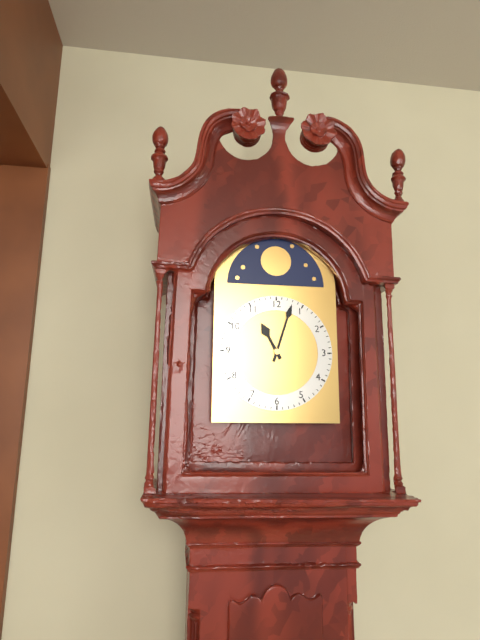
11:03
